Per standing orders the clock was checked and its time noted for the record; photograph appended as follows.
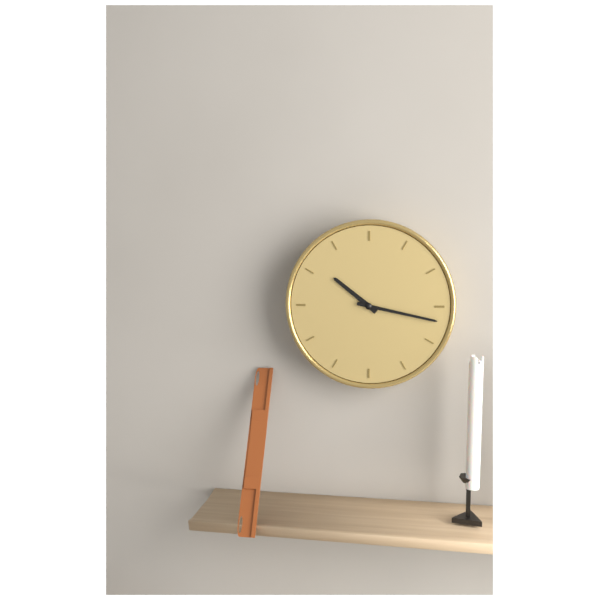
10:17
